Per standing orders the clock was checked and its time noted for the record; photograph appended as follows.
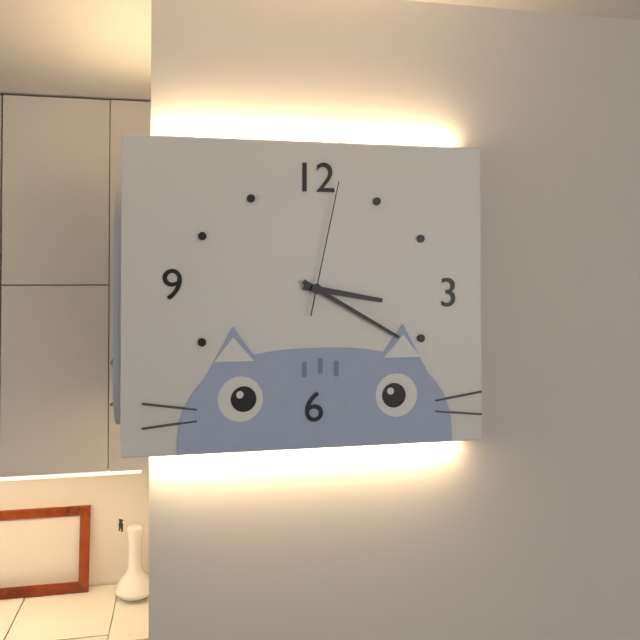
3:20:02
